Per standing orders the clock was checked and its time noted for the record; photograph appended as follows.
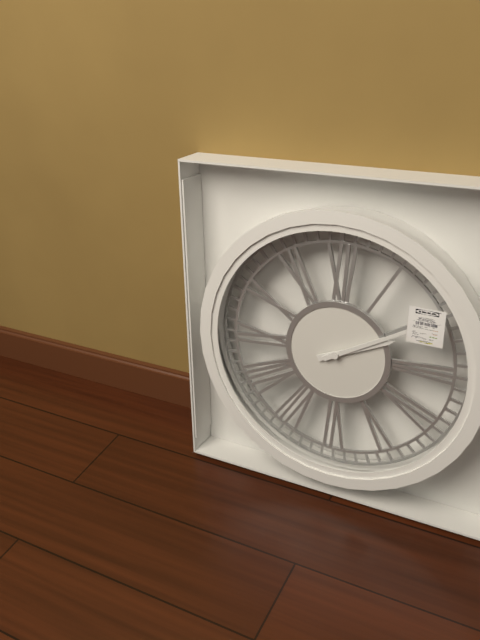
2:10
